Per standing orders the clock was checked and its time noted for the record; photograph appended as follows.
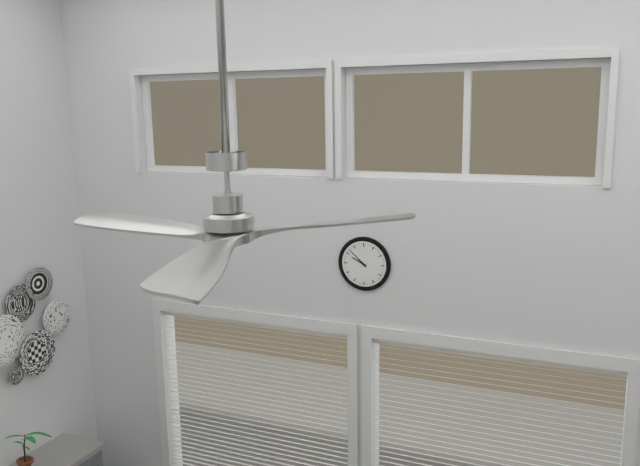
9:52
